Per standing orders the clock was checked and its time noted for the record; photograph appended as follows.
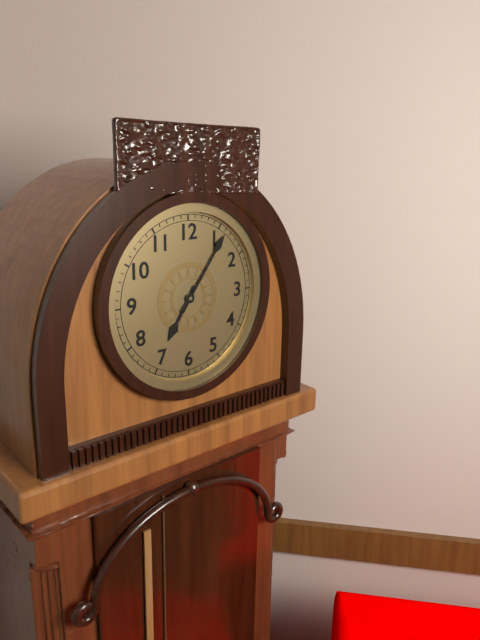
7:06
